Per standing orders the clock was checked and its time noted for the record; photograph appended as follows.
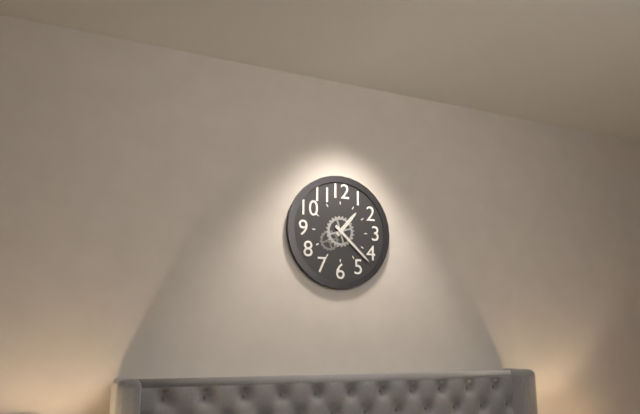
1:22
